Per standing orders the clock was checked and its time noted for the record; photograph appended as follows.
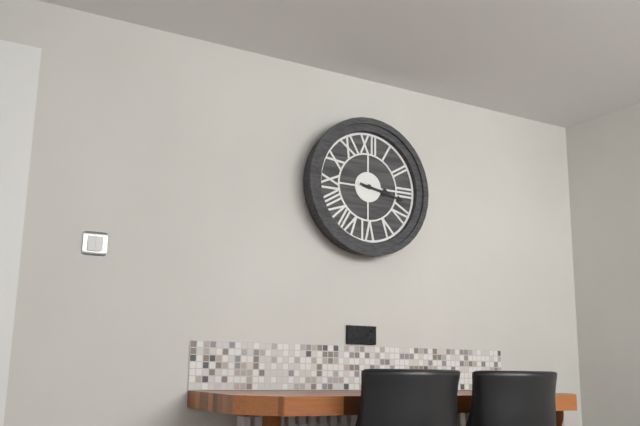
3:17
